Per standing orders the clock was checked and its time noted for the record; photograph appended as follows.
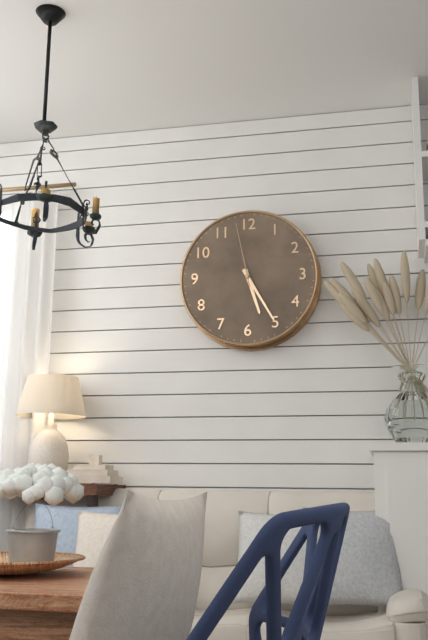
5:25:58
